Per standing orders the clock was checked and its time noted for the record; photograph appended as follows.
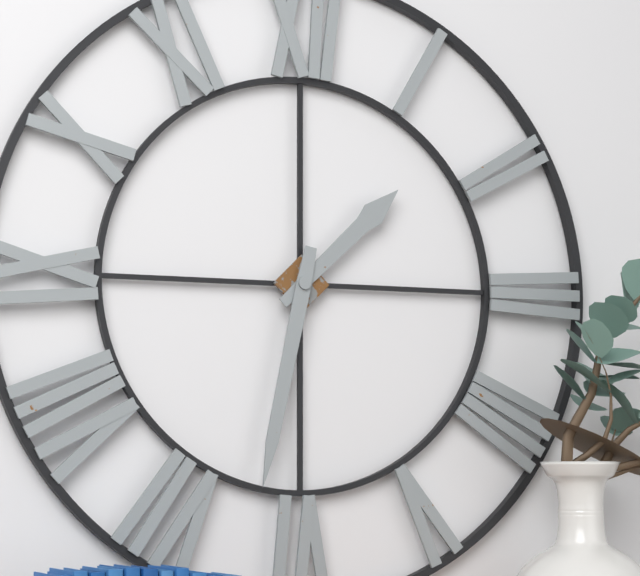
1:32
